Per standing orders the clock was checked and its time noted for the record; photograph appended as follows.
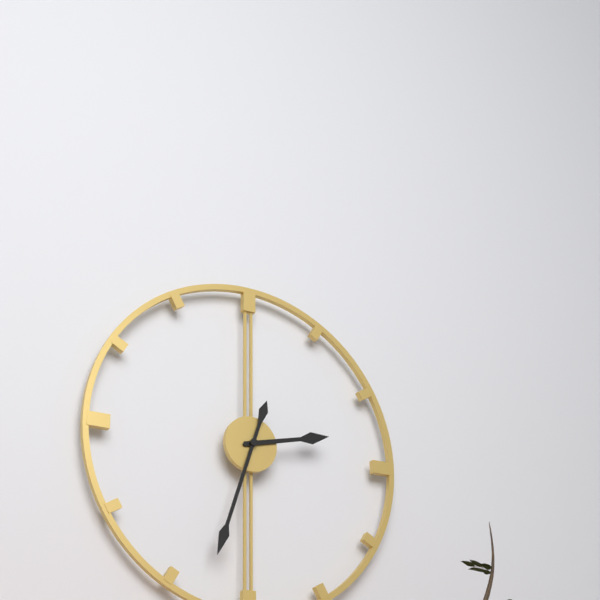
2:33
